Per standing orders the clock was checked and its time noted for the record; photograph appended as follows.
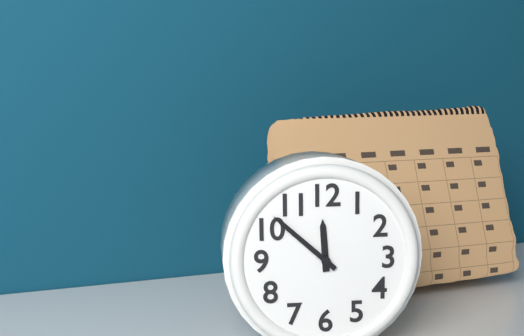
11:52
